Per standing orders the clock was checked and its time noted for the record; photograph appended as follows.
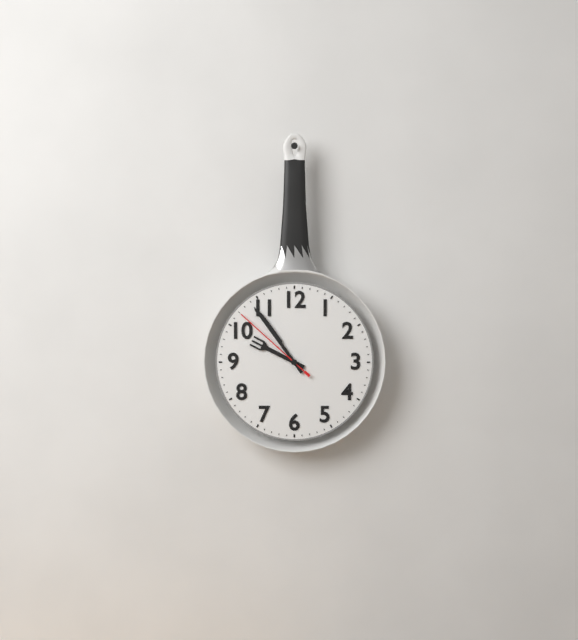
9:54:52
